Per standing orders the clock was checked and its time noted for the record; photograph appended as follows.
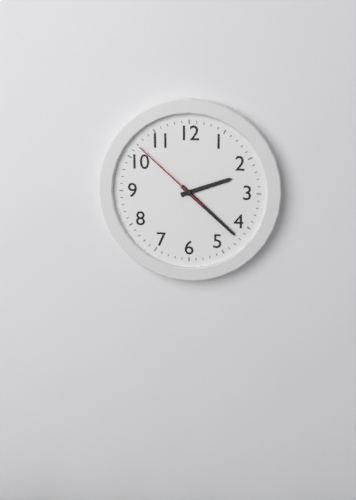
2:22:52
